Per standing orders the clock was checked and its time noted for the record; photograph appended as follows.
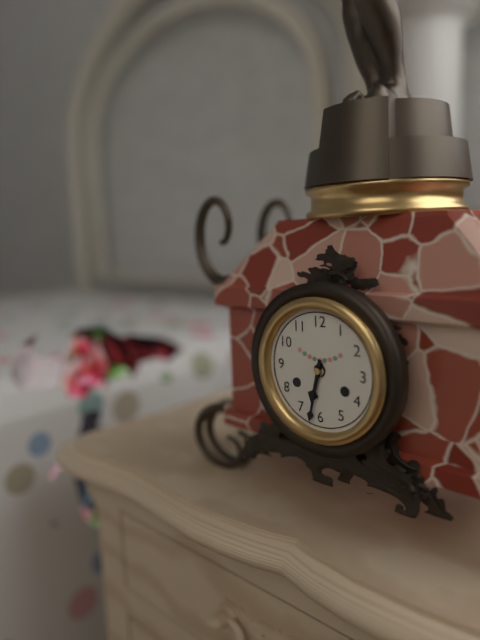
6:32
